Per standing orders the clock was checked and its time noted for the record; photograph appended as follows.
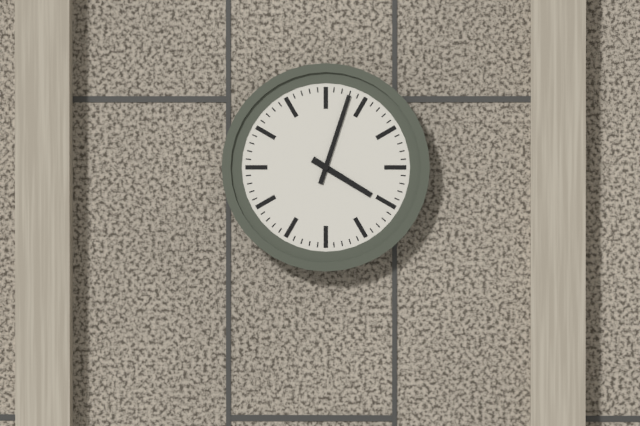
4:03
